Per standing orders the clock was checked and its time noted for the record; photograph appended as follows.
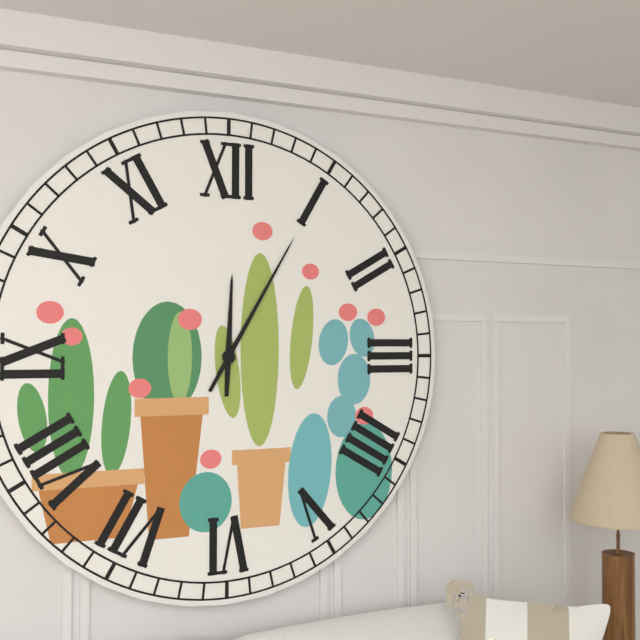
12:05
